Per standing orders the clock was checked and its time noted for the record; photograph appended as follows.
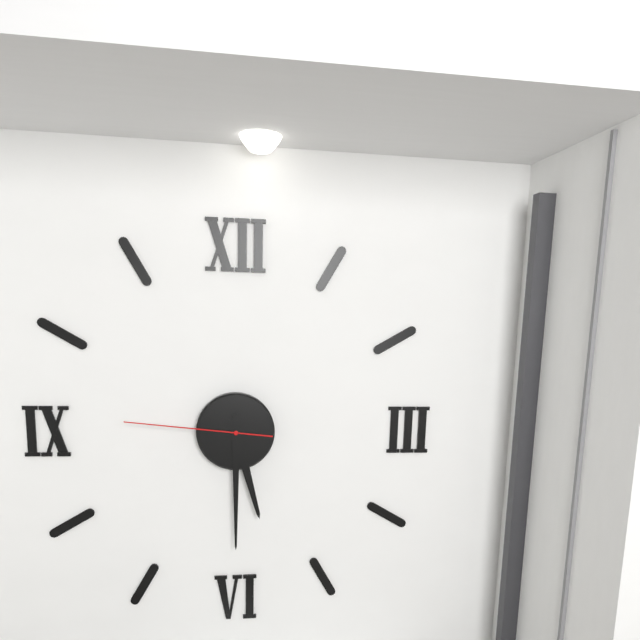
5:30:46
